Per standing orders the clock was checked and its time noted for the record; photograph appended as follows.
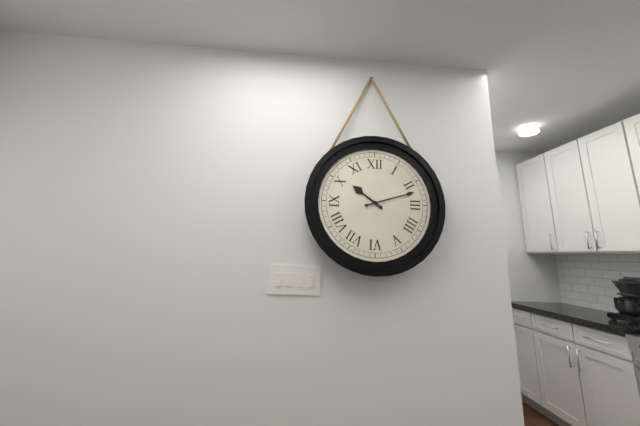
10:12
